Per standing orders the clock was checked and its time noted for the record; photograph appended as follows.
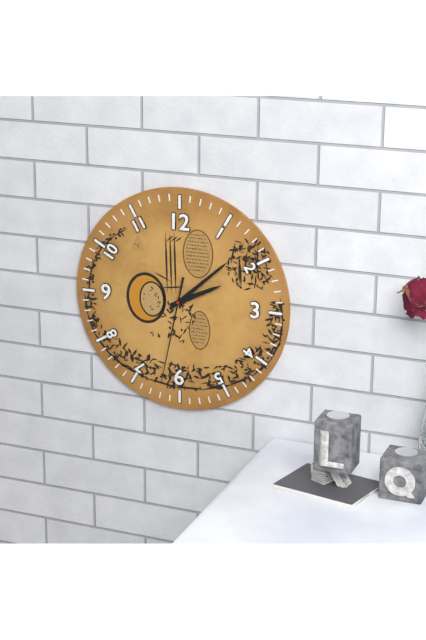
2:08:32
